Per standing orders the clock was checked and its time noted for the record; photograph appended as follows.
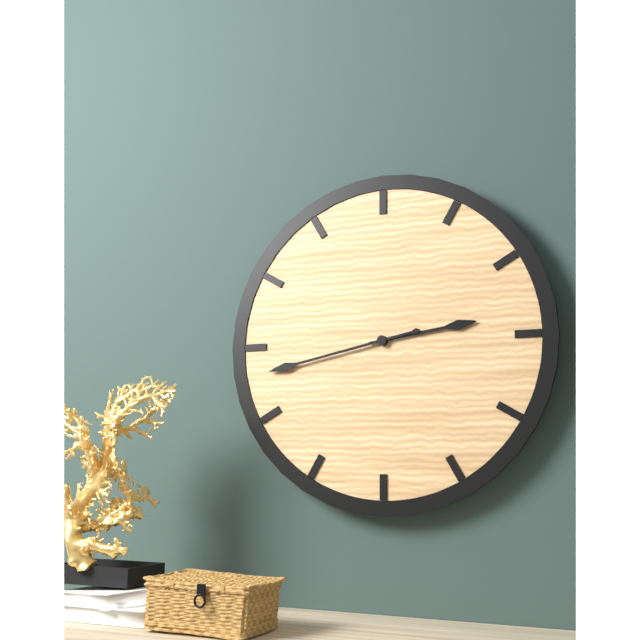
2:43
